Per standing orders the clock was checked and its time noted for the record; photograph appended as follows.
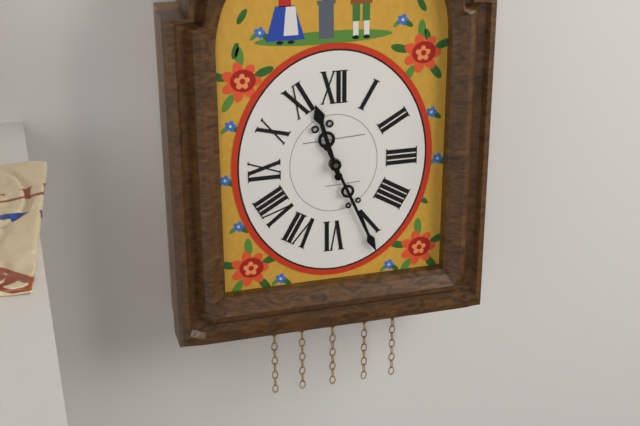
11:26
